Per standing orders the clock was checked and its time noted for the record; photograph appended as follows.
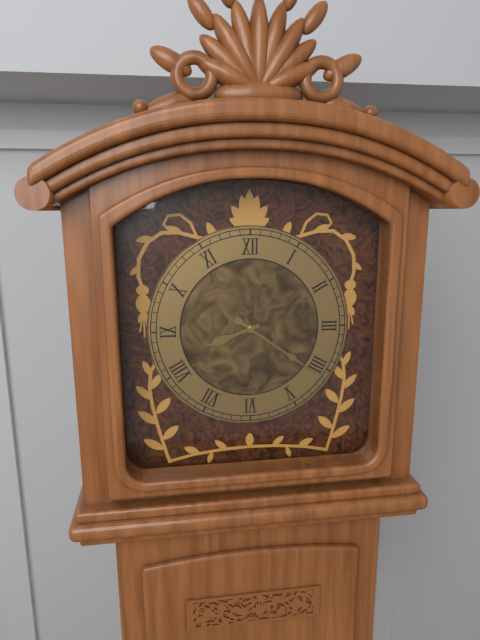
8:21
